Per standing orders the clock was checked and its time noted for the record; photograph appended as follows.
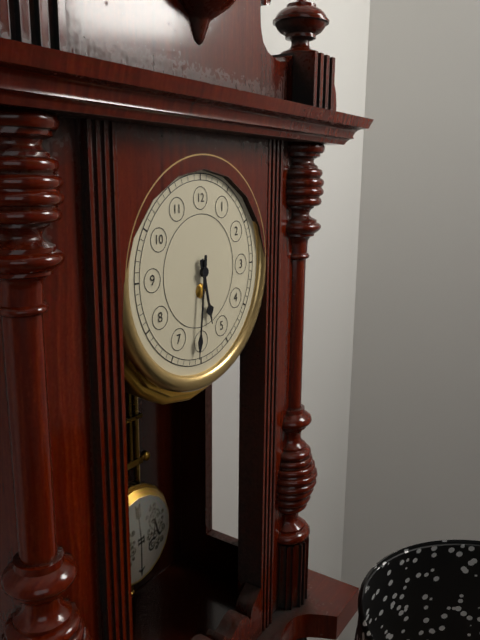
5:31
